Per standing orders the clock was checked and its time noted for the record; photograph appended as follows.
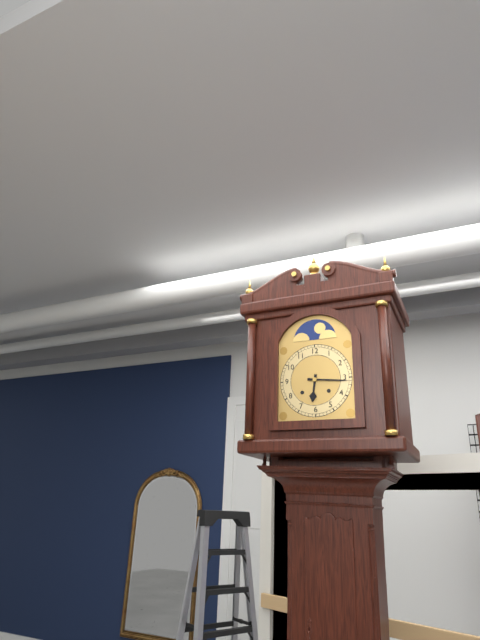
6:16
